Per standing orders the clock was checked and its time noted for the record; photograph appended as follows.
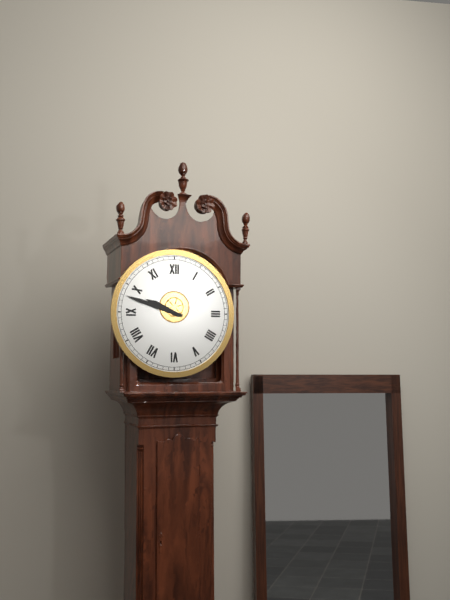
9:48
